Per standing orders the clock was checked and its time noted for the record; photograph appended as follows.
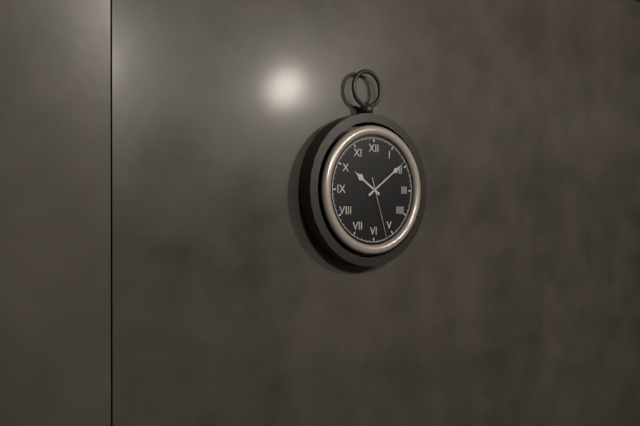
10:09:27
